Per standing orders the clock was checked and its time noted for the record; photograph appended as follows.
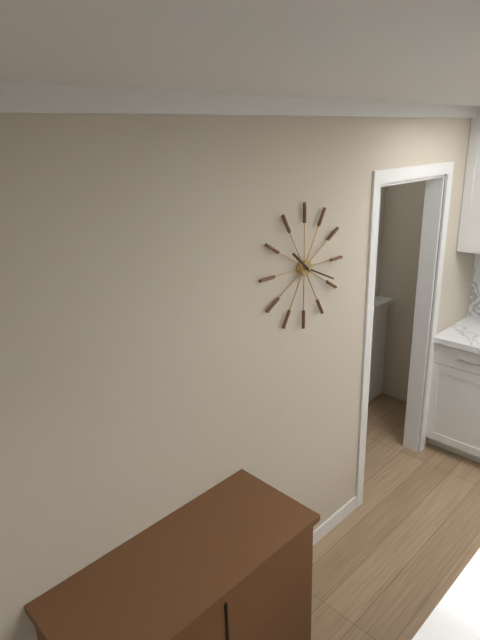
10:19
